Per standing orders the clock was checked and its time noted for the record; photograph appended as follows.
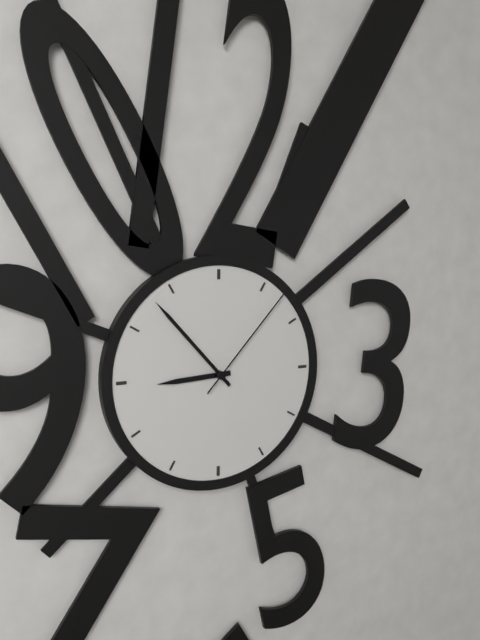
8:53:07
